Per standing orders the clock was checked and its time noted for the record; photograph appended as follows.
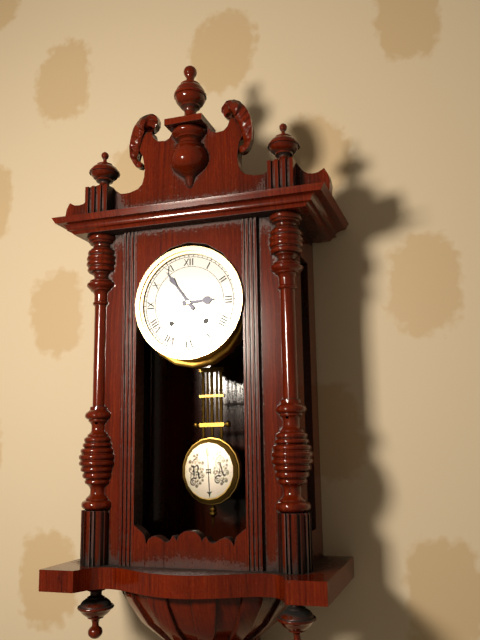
2:54
